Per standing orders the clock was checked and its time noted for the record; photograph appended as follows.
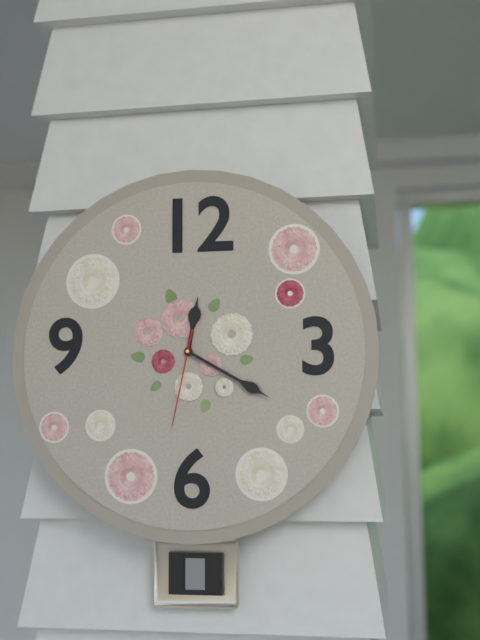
12:20:32
